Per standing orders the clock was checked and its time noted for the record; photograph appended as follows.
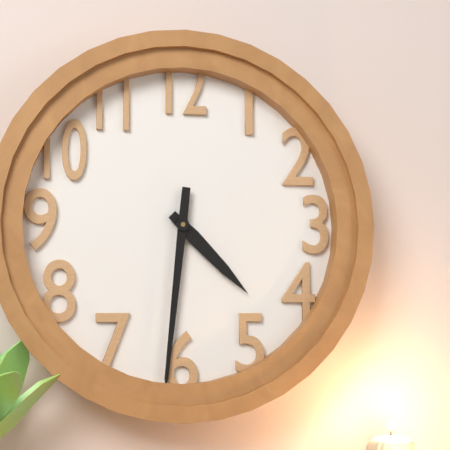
4:31
